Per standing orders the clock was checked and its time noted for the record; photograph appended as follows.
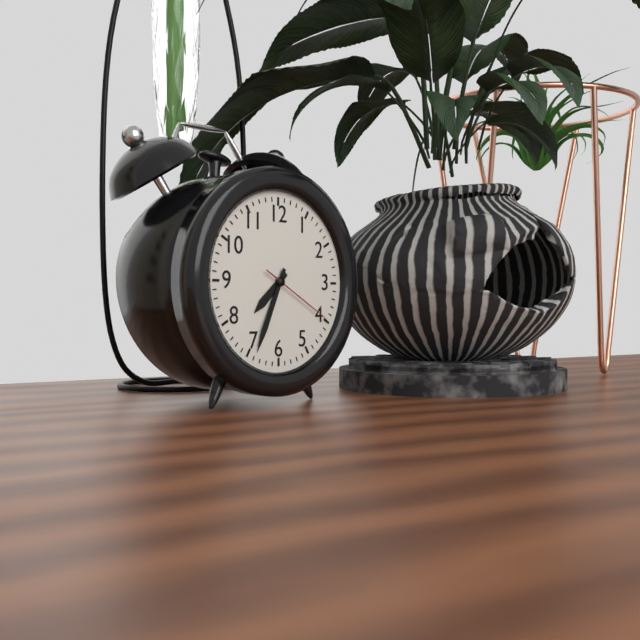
7:34:20
